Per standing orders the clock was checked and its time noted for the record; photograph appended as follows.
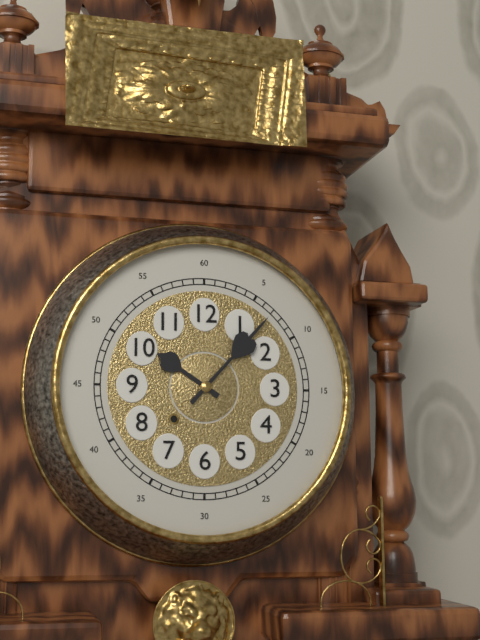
10:07
